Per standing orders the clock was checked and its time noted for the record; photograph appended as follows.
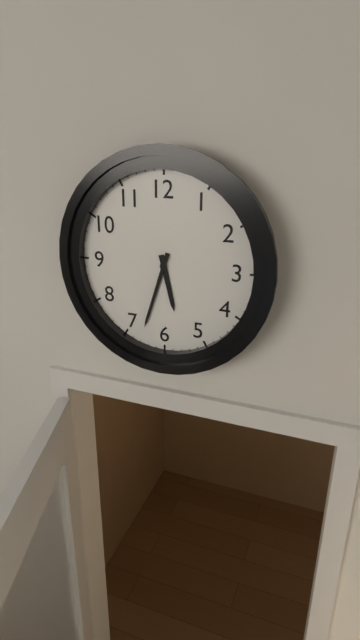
5:33
